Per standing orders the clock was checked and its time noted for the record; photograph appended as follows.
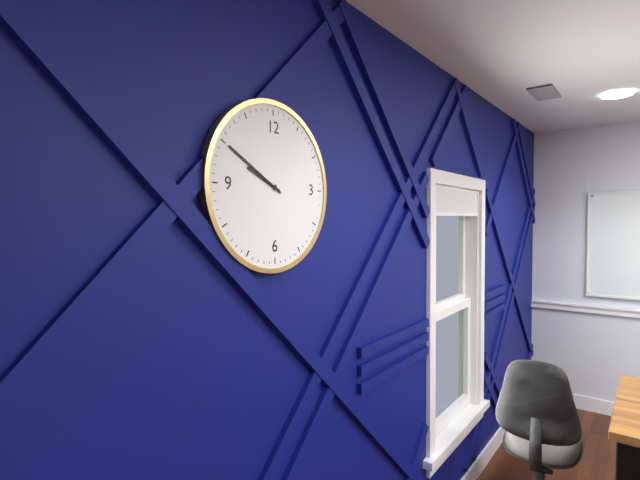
9:50
